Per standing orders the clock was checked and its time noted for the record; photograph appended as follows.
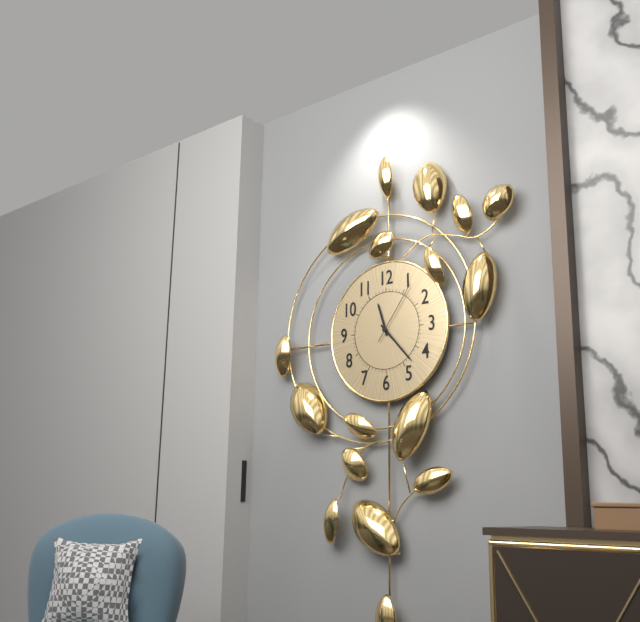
11:23:06
